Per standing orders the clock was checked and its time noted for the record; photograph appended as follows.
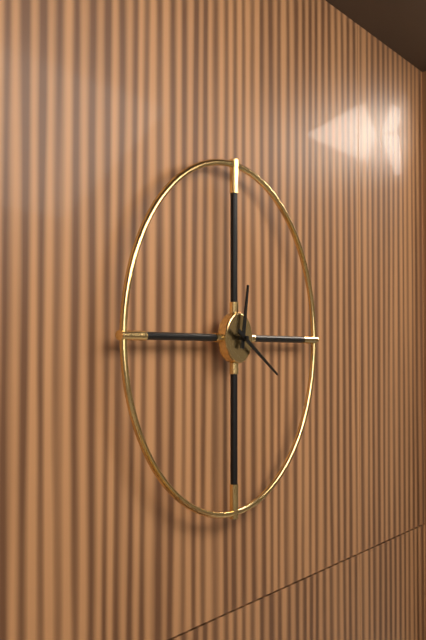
12:20
